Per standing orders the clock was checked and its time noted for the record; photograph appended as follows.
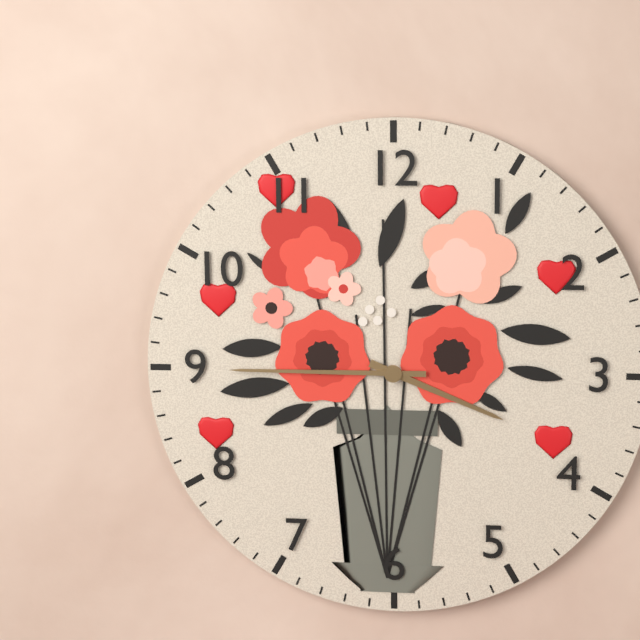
3:45
